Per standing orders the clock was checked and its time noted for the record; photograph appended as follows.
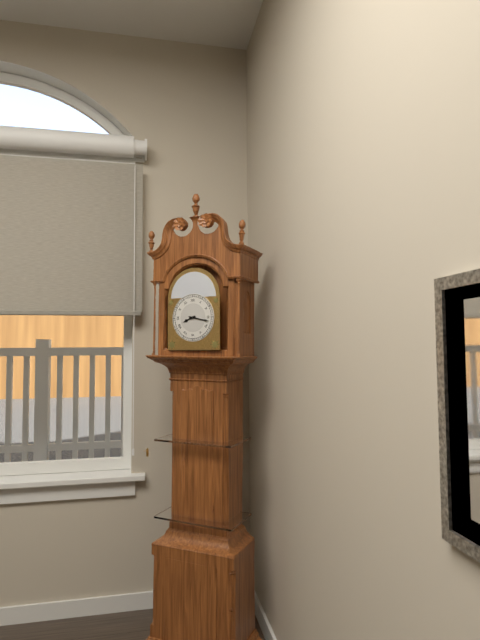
8:17
